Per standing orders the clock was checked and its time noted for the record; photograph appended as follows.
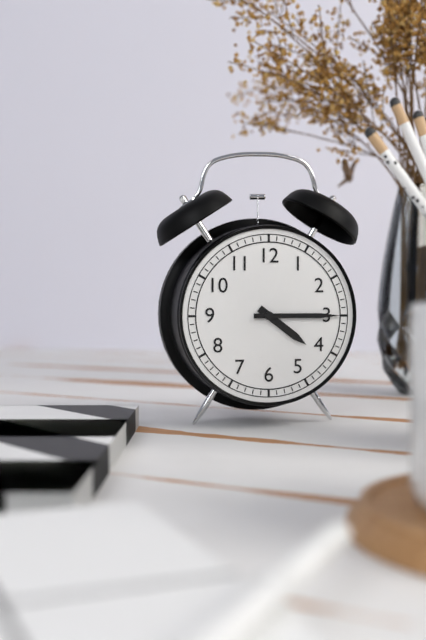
4:15
